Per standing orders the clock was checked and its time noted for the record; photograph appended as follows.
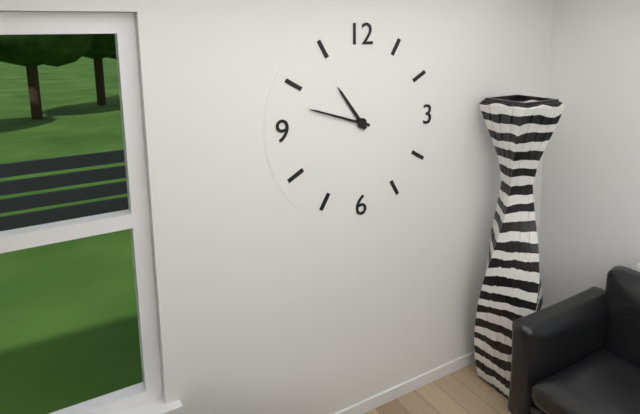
10:48
